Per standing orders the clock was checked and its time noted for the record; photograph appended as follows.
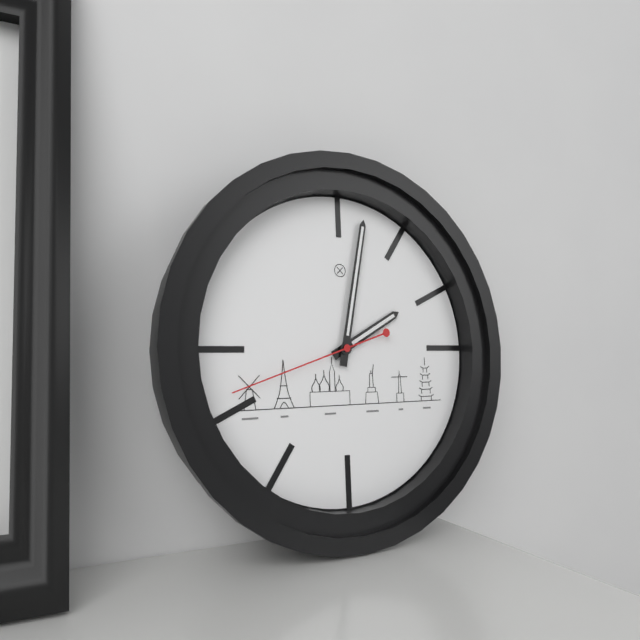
2:02:42
